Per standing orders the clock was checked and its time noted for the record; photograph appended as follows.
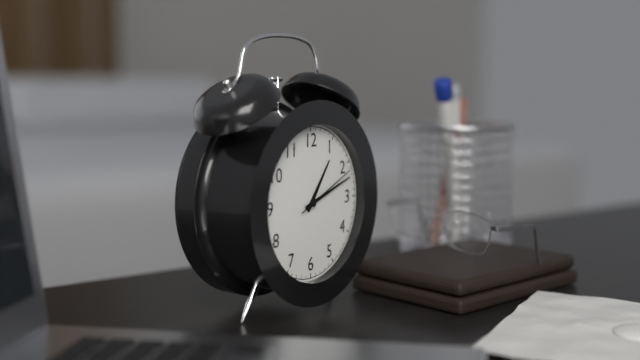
1:12:11
